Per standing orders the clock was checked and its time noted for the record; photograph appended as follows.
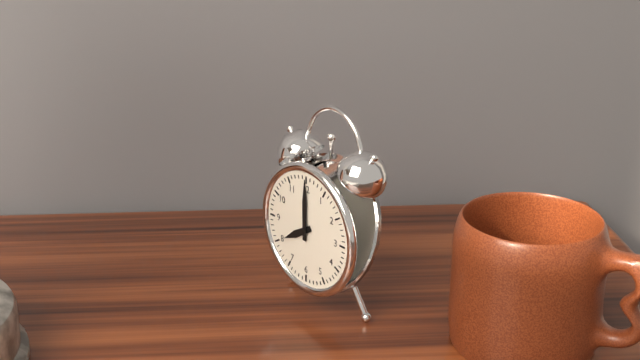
8:00
